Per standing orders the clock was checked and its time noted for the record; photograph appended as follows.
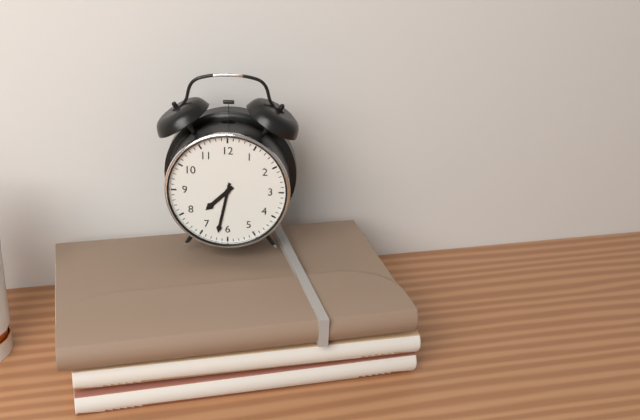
7:32
